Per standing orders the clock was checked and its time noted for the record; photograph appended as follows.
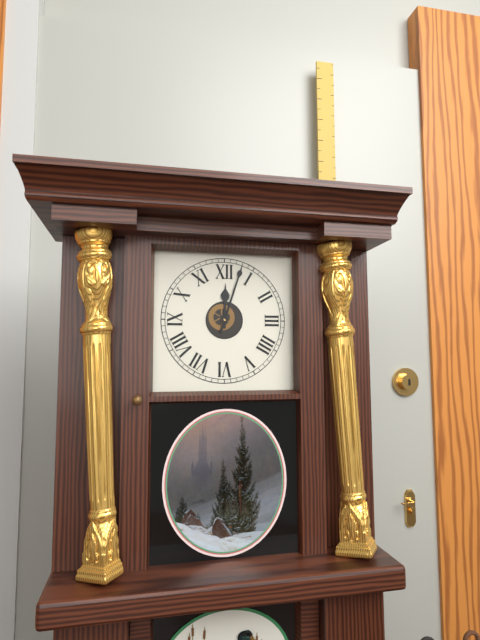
12:03
